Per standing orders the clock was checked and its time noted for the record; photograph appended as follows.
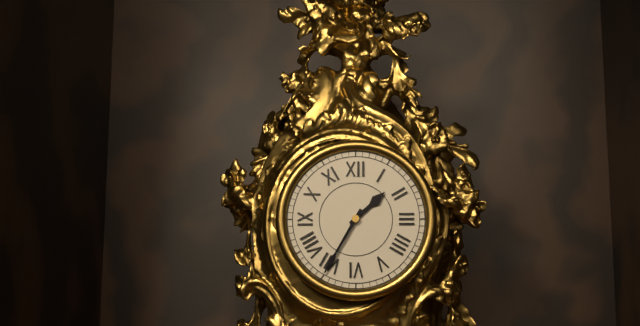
1:35
